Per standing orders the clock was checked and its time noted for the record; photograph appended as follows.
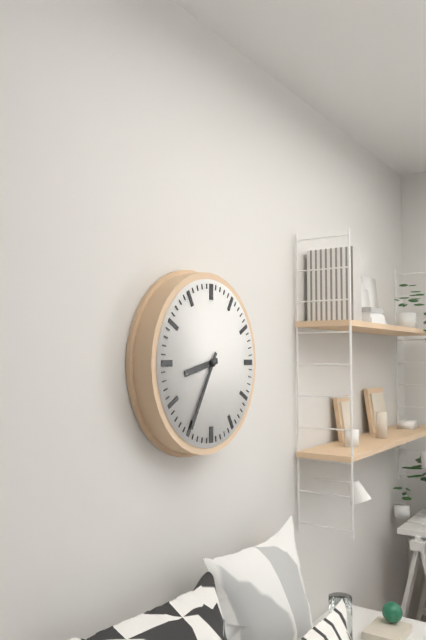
8:35
